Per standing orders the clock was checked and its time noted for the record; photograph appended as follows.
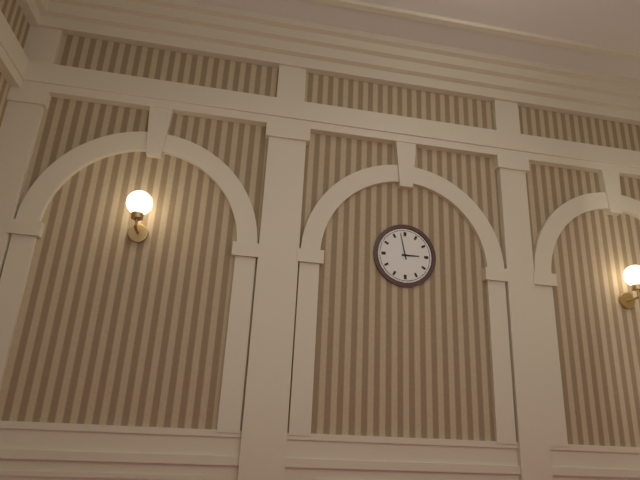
2:58
